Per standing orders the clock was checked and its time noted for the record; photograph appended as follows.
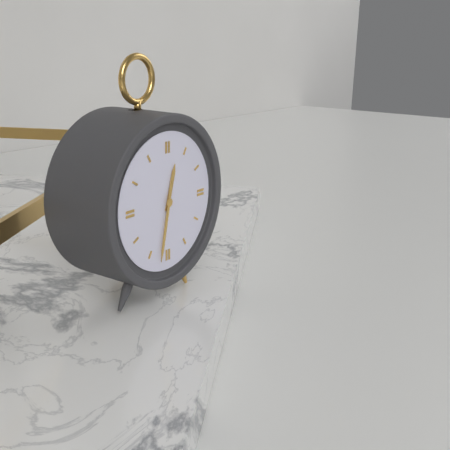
12:32
